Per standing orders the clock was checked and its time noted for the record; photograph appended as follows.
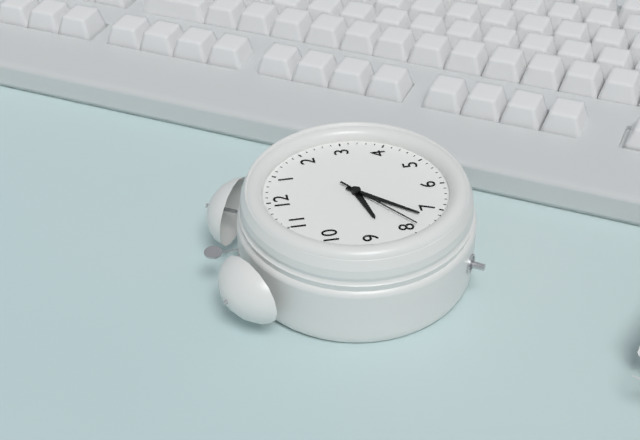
8:37:39
